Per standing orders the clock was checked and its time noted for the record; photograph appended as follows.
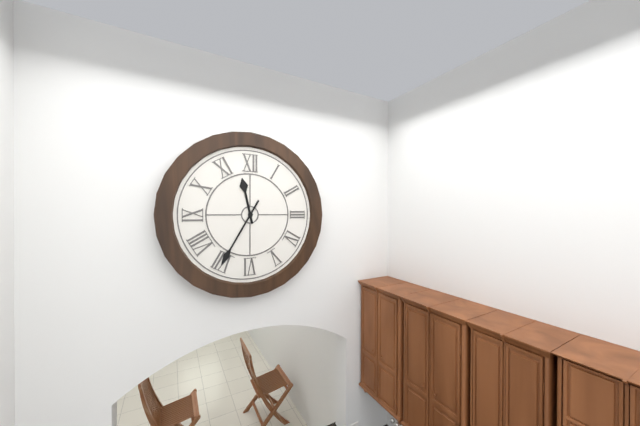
11:35
